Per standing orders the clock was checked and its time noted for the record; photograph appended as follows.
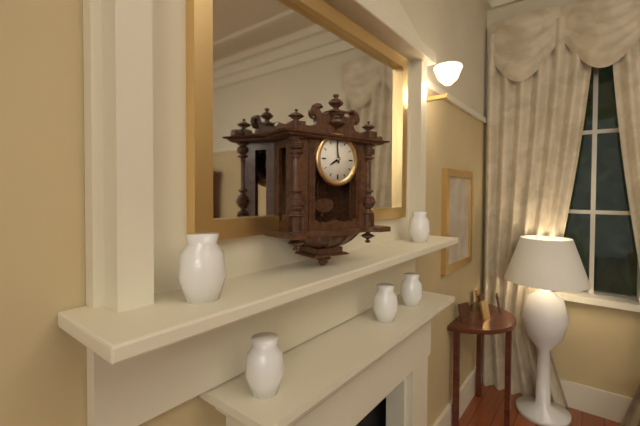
7:59
